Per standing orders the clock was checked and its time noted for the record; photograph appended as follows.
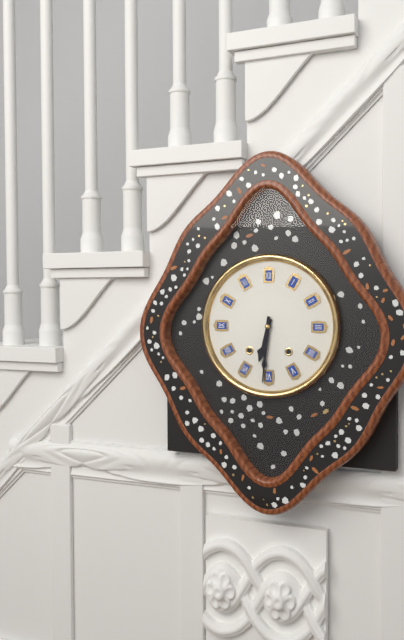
6:31
